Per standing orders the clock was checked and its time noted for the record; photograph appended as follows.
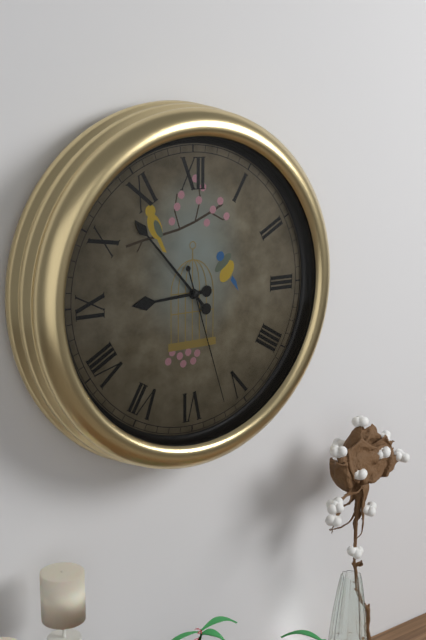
8:53:27
